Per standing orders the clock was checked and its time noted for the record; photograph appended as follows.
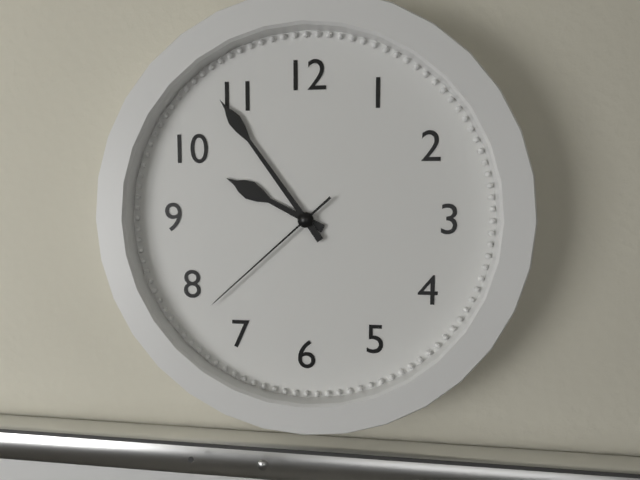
9:54:38
